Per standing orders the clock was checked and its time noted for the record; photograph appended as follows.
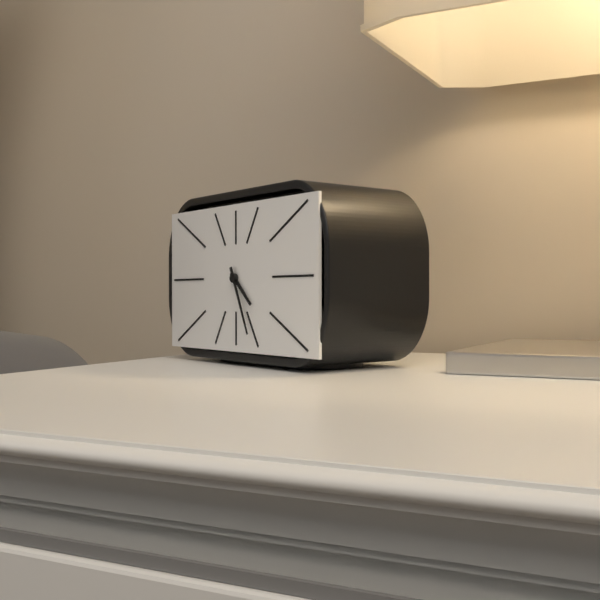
4:26
